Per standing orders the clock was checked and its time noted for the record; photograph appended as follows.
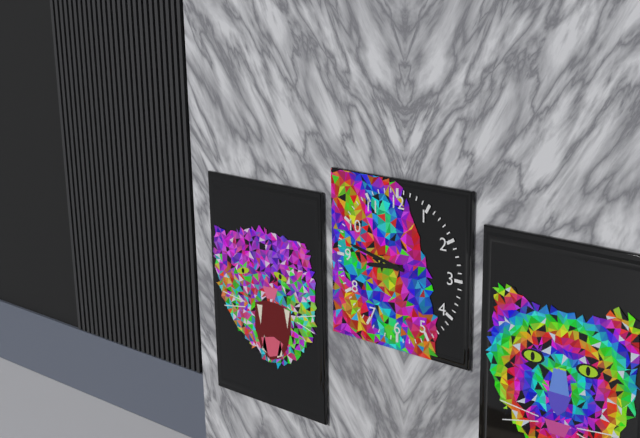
8:47
